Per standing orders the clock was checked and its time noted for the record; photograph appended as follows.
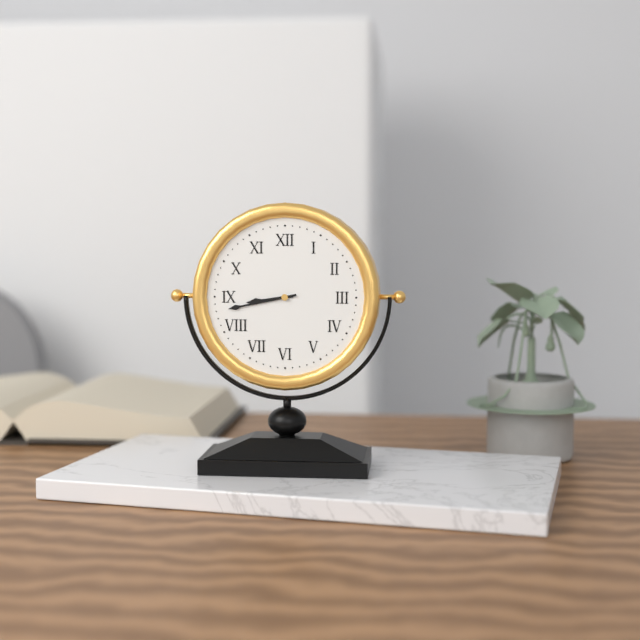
8:43
